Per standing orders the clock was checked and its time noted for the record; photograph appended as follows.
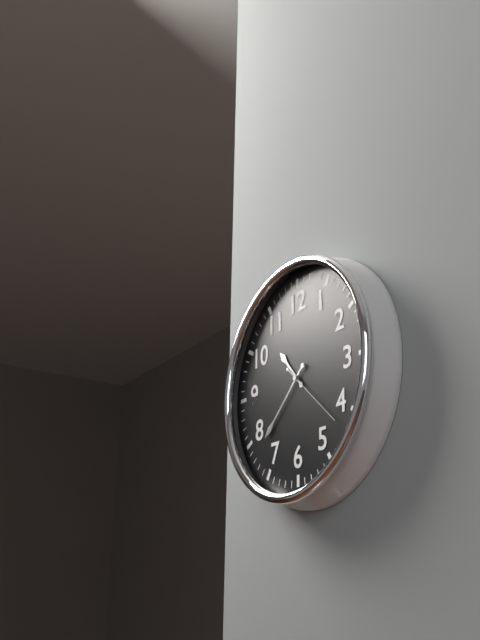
10:38:22
